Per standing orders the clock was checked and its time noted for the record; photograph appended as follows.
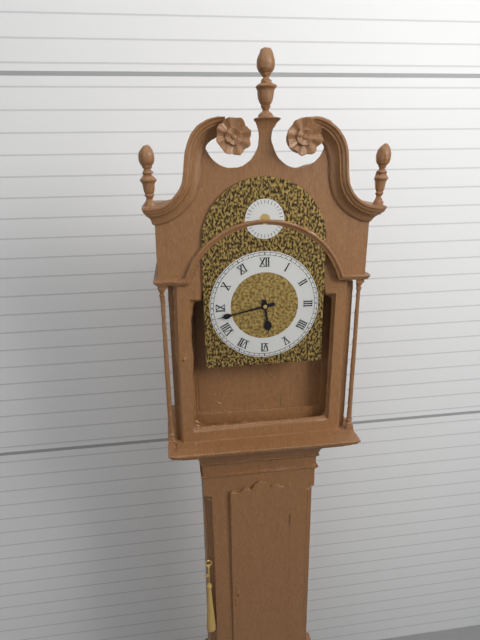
5:43
